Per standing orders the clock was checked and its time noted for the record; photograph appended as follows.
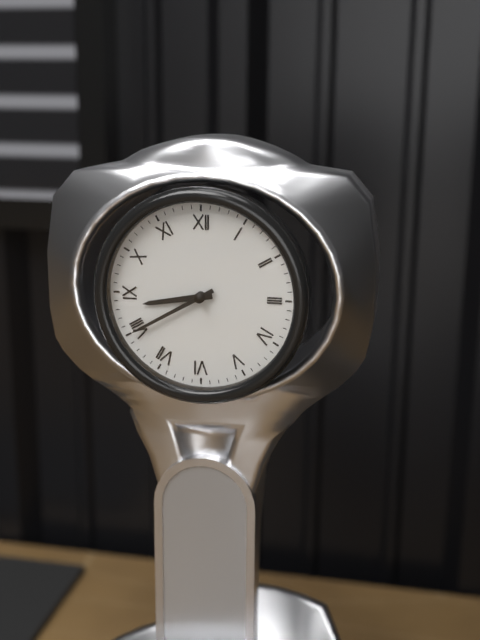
8:40
